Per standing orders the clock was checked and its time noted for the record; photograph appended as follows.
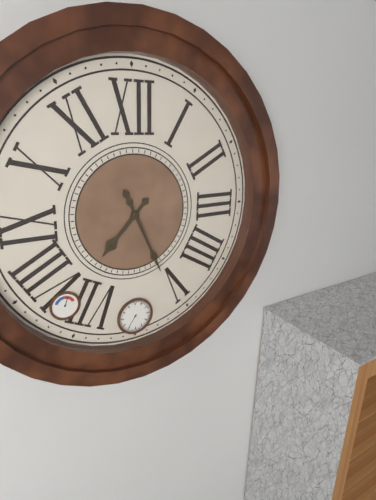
7:26
